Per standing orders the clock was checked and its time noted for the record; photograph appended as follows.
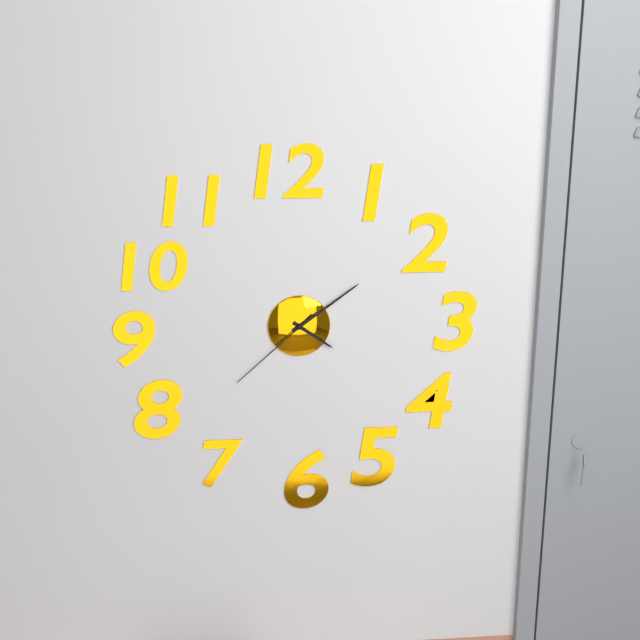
4:09:38
